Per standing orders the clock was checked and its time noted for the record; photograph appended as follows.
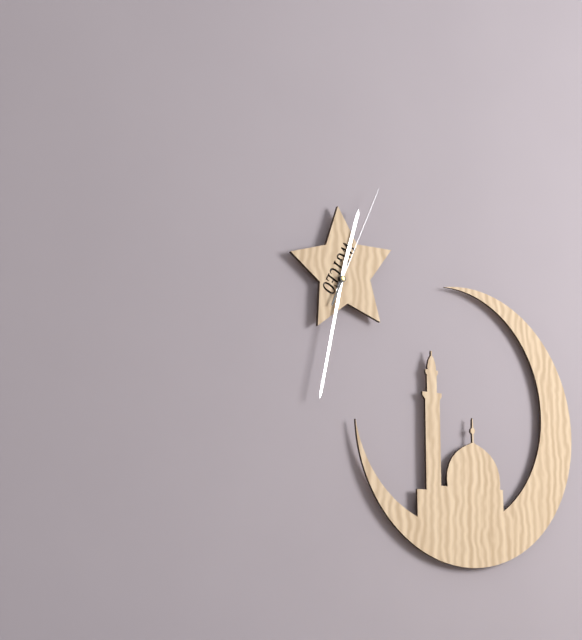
12:32:04
